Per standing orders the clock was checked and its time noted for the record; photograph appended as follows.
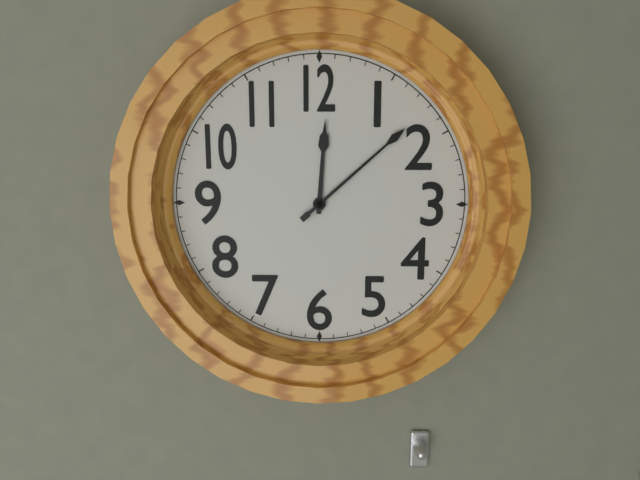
12:08
